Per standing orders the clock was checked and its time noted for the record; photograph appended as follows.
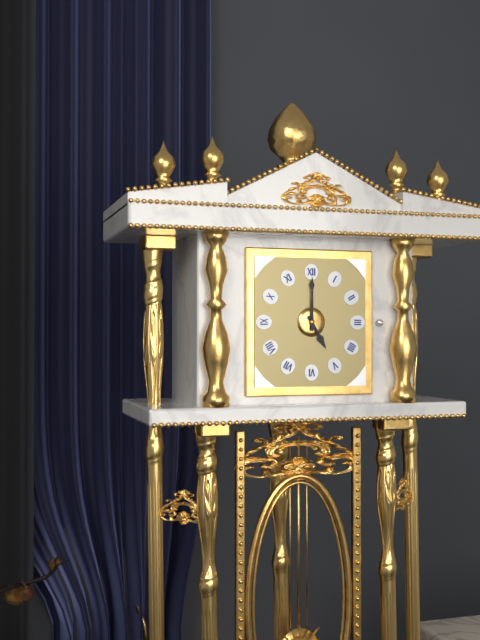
5:00
